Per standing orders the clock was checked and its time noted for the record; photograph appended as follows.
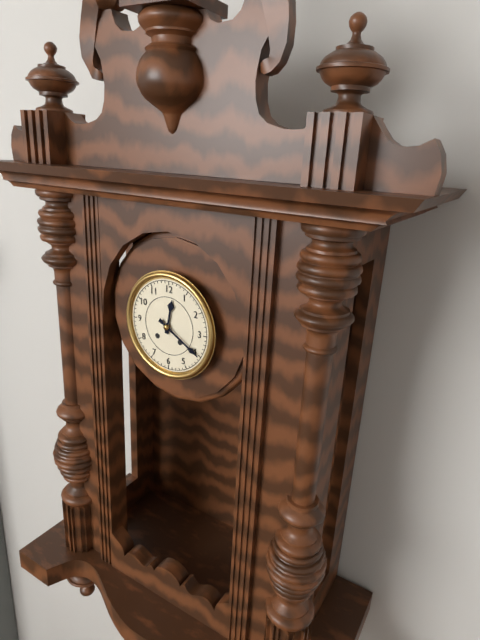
12:20
